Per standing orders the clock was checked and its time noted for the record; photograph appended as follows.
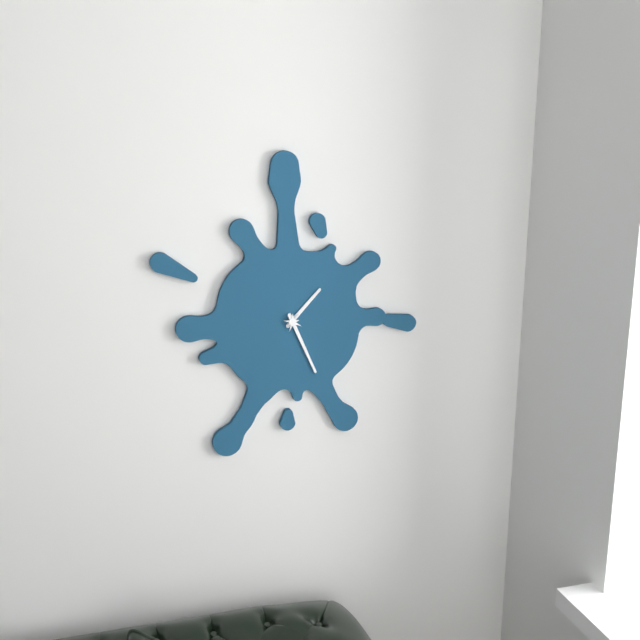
1:26
